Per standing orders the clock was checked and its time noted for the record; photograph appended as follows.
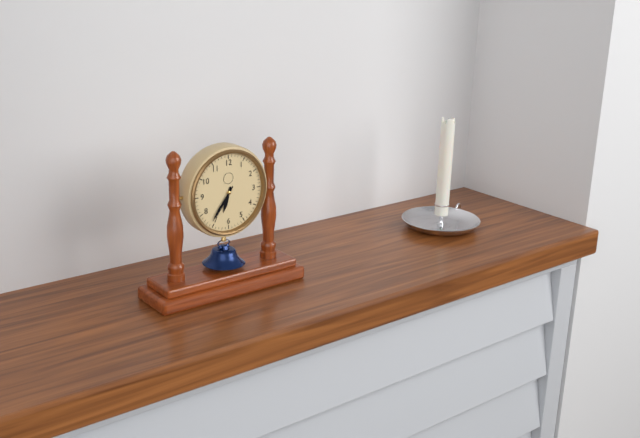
6:36
